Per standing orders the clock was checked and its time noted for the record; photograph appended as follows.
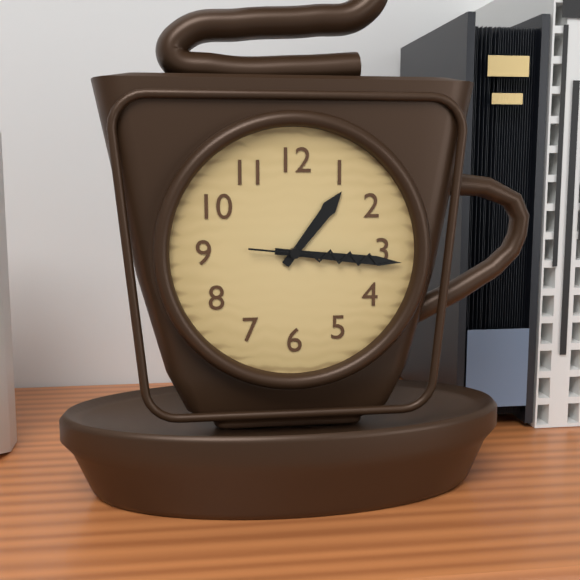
1:16:16
